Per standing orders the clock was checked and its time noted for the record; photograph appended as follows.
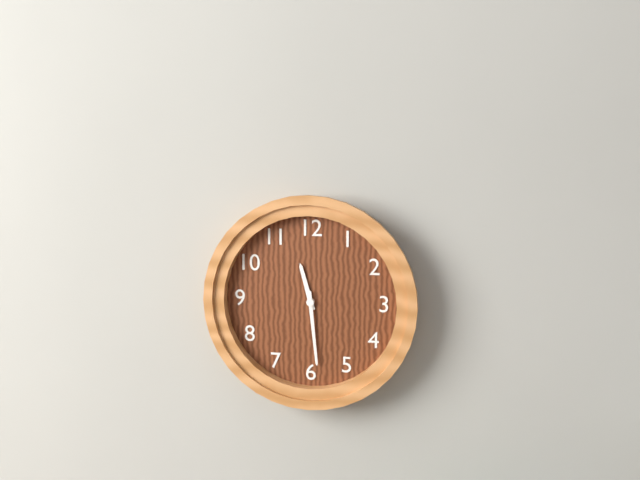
11:29
